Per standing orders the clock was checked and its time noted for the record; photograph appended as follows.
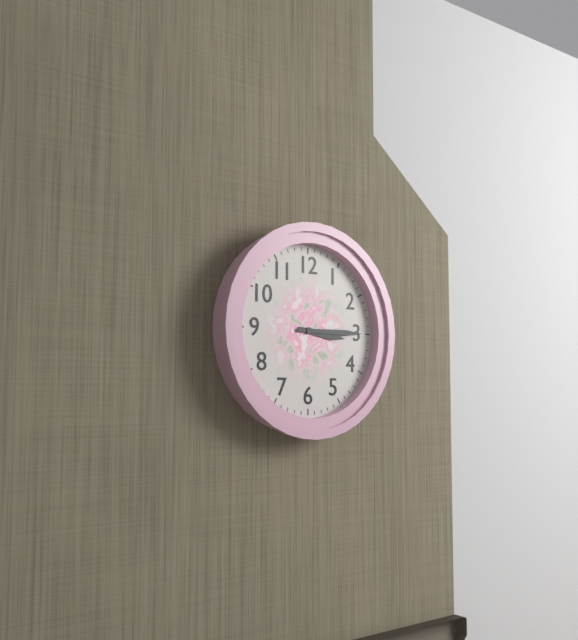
3:15
